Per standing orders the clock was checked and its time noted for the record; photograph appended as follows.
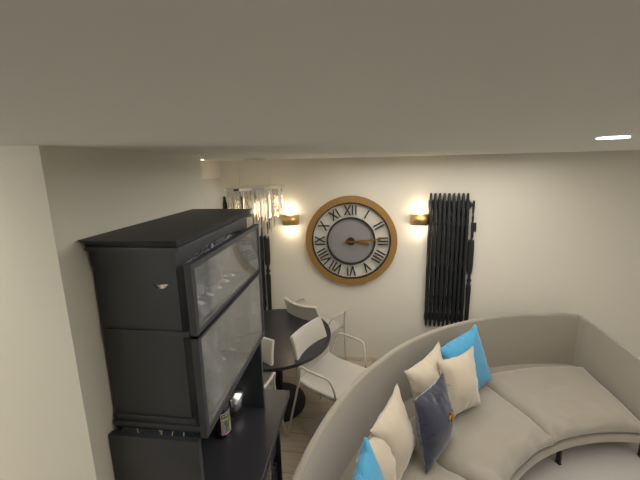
3:14
